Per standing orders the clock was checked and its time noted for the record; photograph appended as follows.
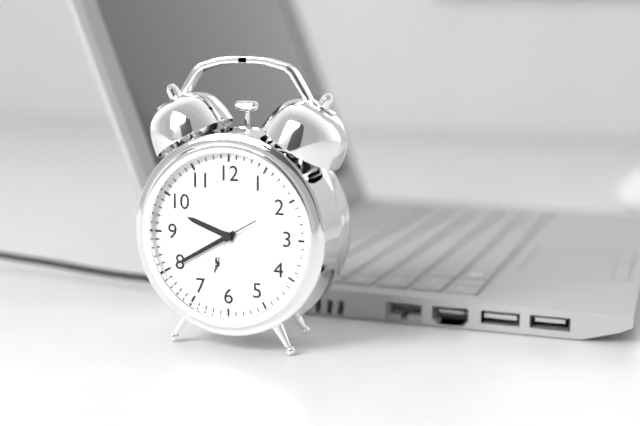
9:40:40
